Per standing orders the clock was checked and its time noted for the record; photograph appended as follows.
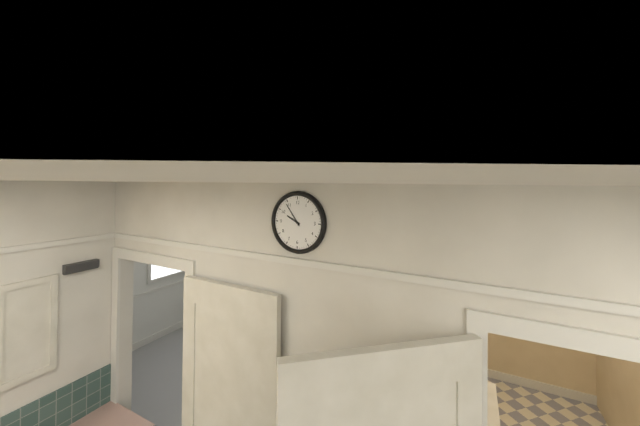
9:54
